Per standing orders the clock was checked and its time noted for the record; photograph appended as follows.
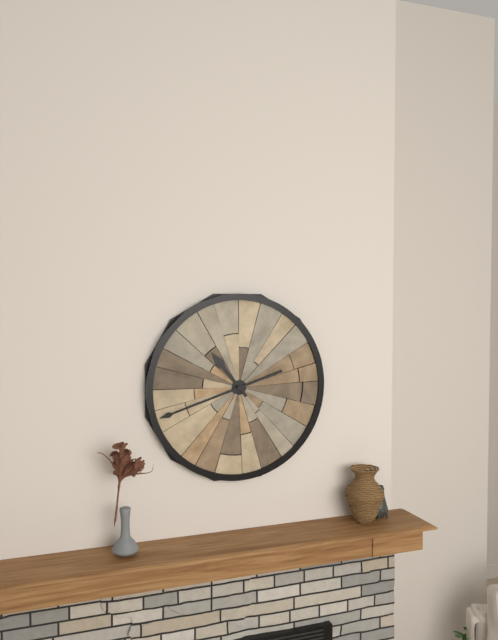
10:42
